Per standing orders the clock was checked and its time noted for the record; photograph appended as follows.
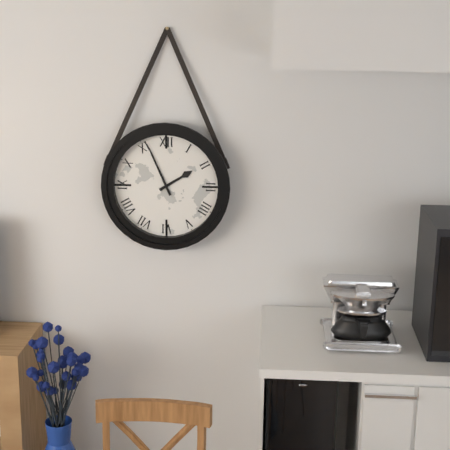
1:56
